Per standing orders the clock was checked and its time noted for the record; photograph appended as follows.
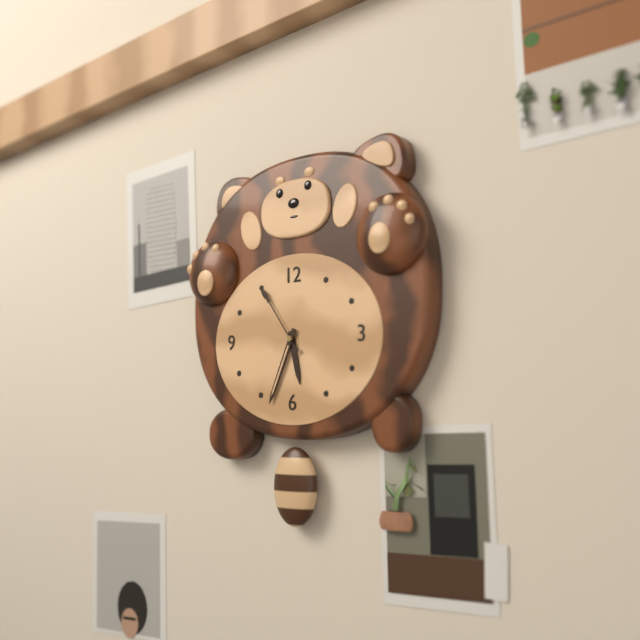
5:34:54
